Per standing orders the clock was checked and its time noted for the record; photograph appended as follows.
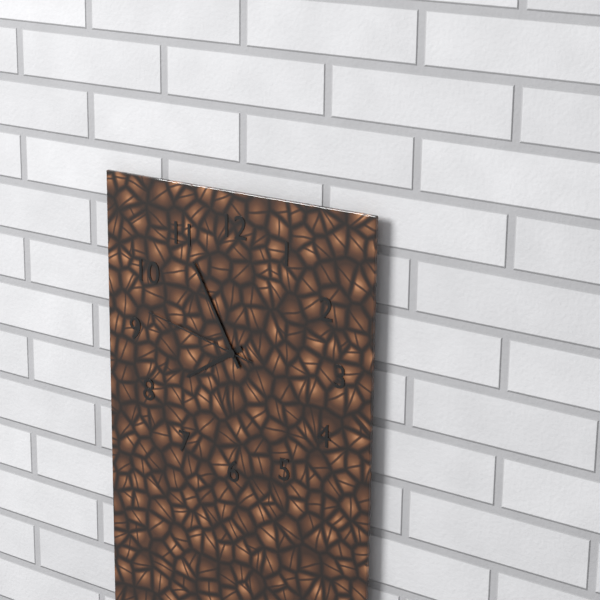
7:55:47
